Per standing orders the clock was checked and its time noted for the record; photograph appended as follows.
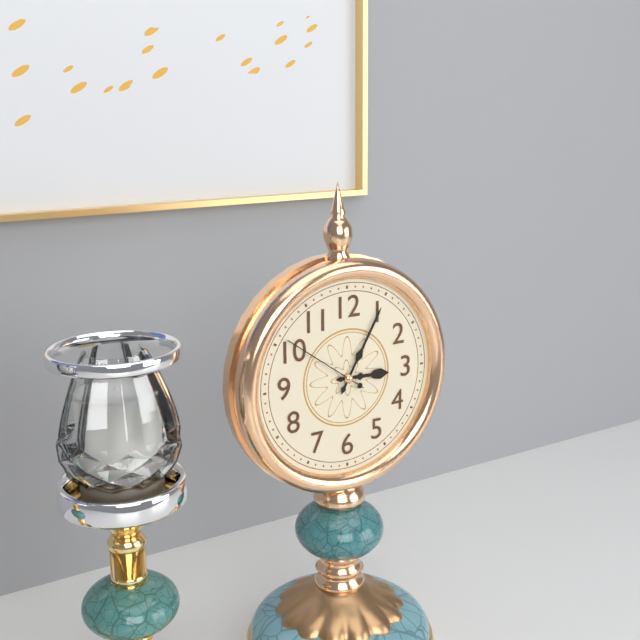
3:05:51
